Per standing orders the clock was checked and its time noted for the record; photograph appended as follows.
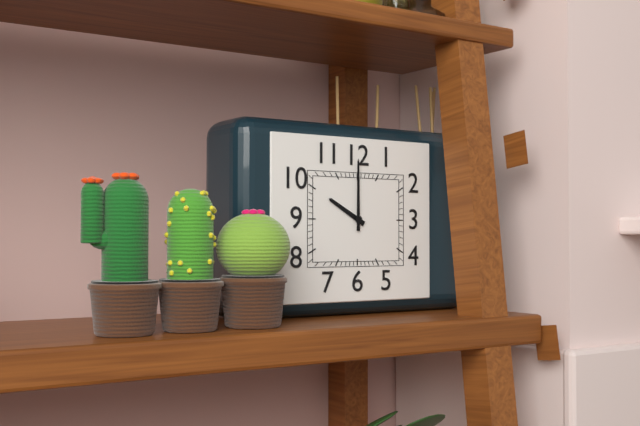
10:00
